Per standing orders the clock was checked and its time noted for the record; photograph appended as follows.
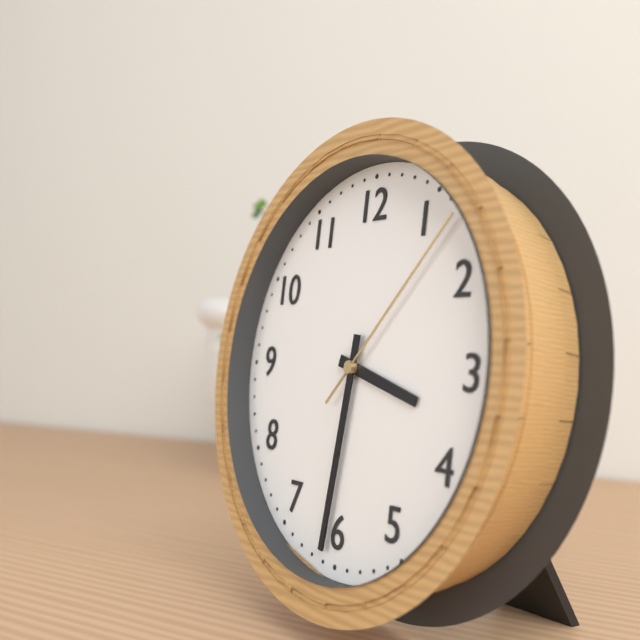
3:31:07
